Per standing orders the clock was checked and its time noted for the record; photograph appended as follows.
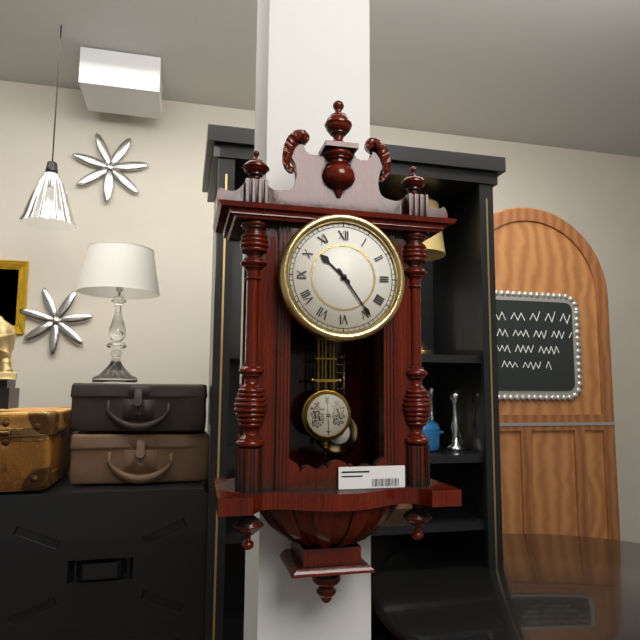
10:24
